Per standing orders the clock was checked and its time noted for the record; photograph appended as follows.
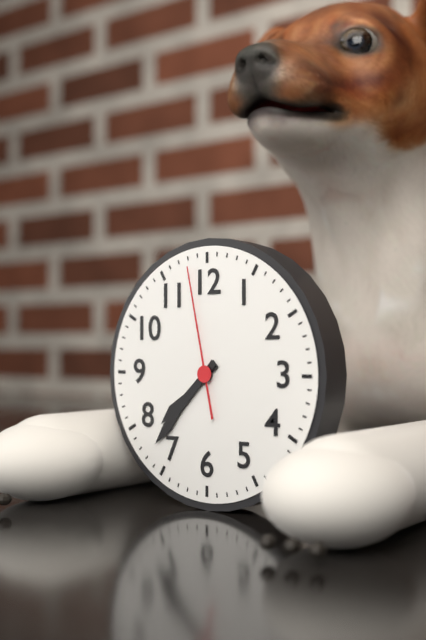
7:37:58
